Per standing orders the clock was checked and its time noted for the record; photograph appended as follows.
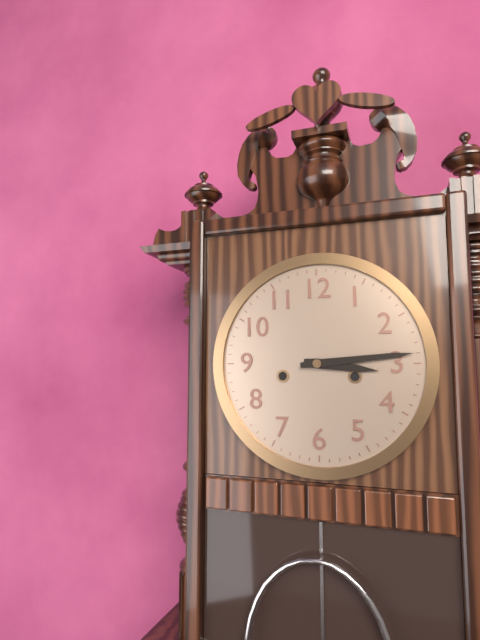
3:14
